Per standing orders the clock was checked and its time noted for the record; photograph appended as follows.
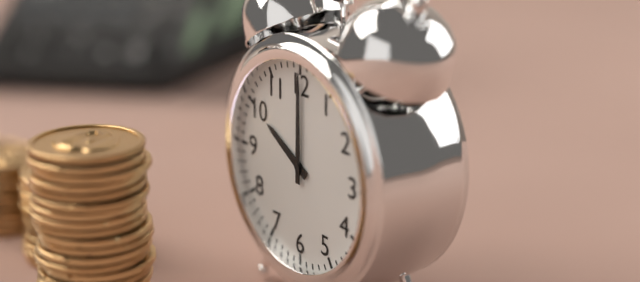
10:00
